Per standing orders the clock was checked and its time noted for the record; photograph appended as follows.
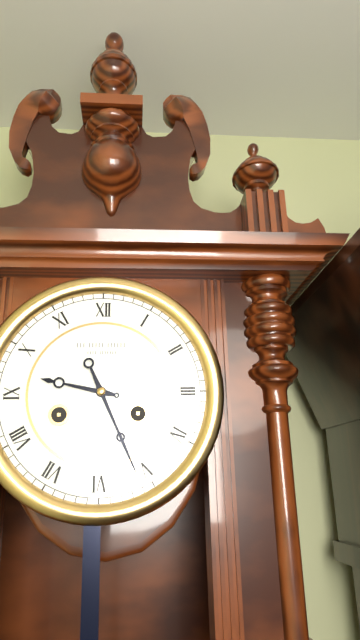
9:26
